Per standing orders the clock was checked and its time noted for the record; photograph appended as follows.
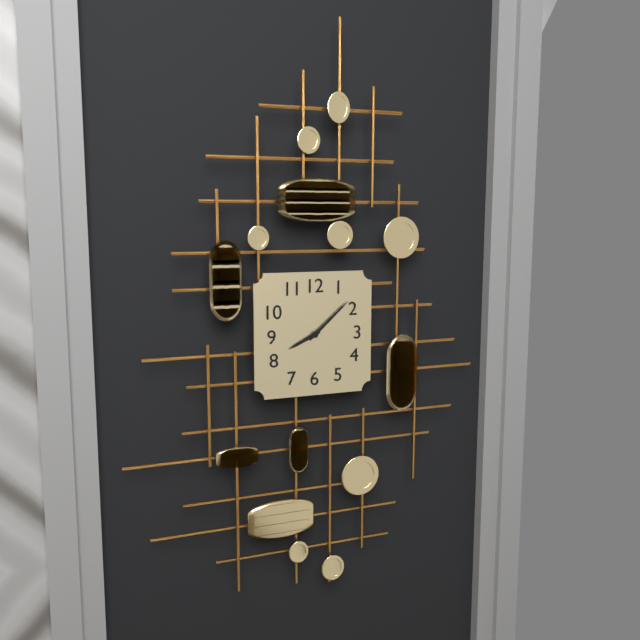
8:08
